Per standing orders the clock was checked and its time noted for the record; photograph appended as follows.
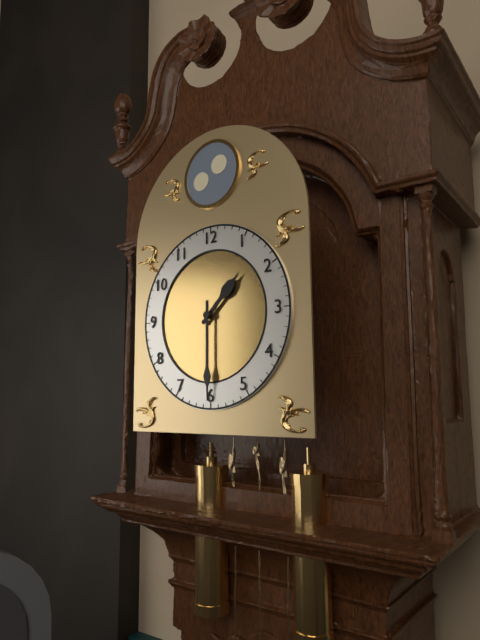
1:30
